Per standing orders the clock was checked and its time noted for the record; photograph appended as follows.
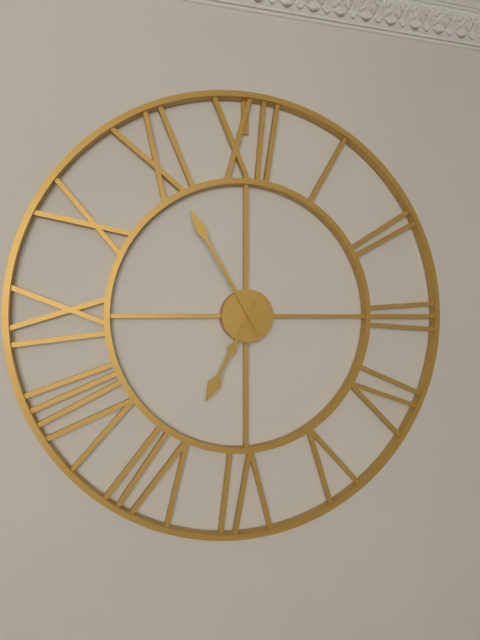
6:55
